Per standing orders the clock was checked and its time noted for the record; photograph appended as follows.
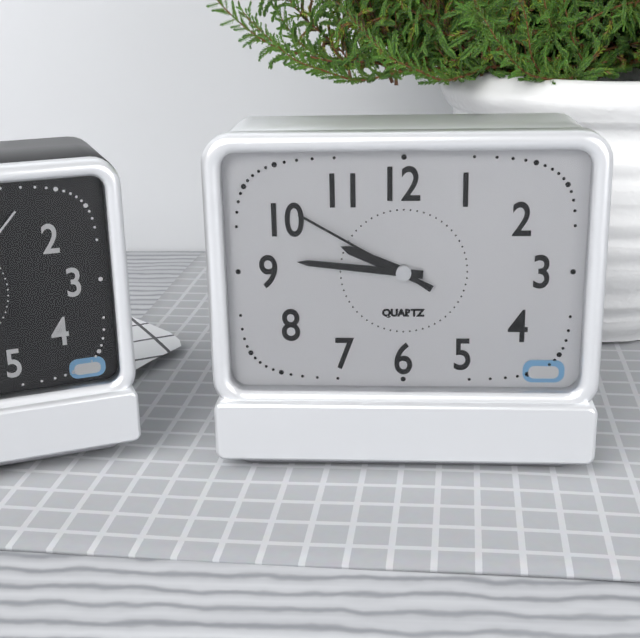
9:46:50
